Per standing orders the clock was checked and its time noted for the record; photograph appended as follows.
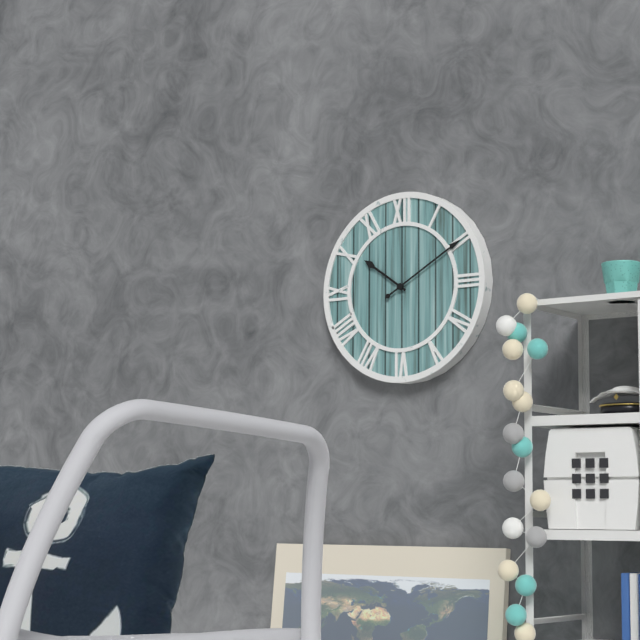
10:10
